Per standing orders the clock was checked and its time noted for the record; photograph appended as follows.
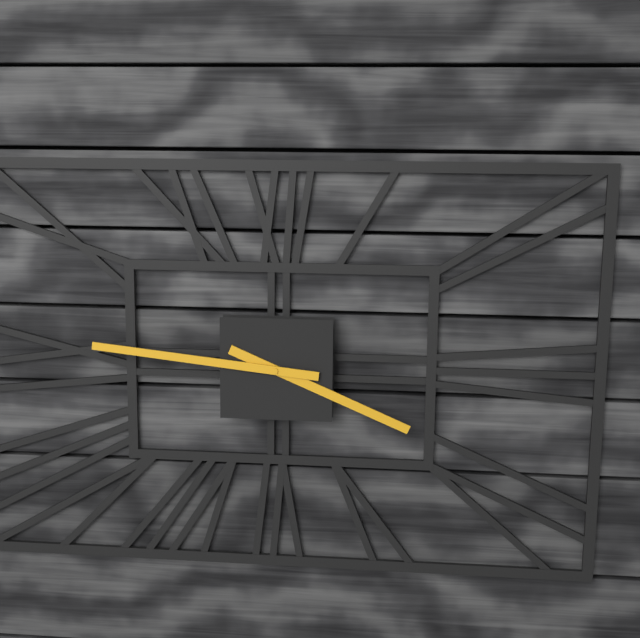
3:46
